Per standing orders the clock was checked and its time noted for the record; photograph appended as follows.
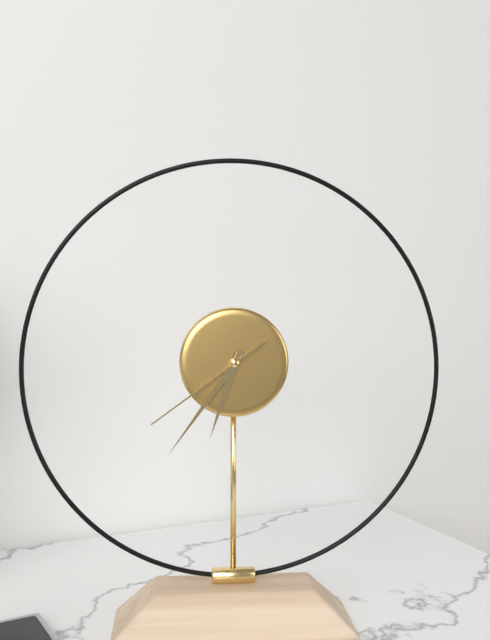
6:36:39
